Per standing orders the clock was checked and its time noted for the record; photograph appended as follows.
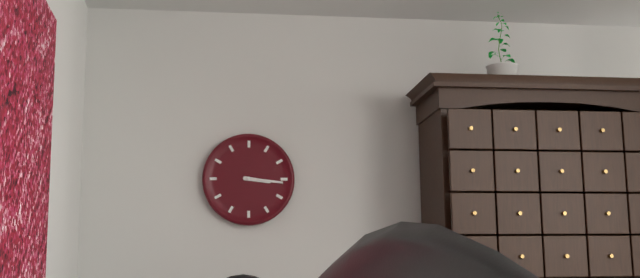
3:16
